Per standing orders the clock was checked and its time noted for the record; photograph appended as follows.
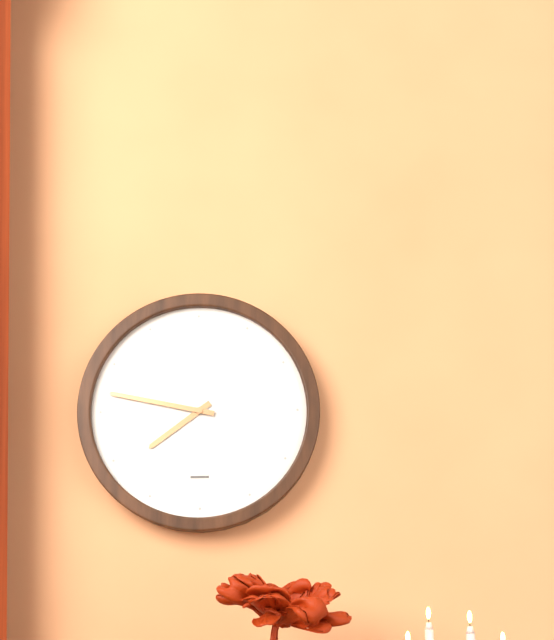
7:47
